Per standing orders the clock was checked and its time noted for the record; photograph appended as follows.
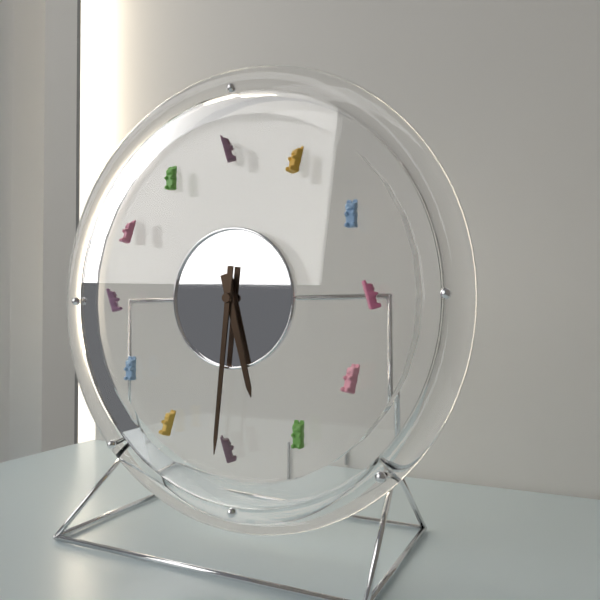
5:31
